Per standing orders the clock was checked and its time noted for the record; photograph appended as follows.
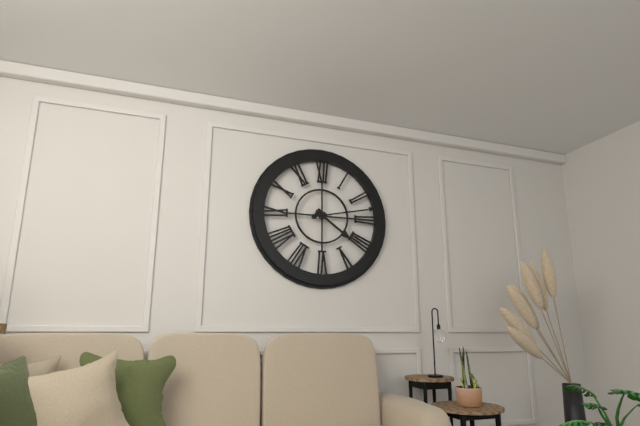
4:13
